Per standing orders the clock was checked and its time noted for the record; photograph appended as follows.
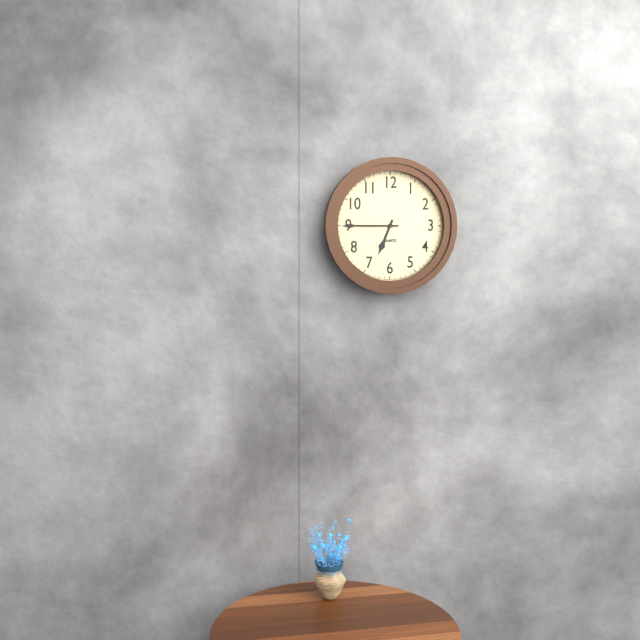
6:45
